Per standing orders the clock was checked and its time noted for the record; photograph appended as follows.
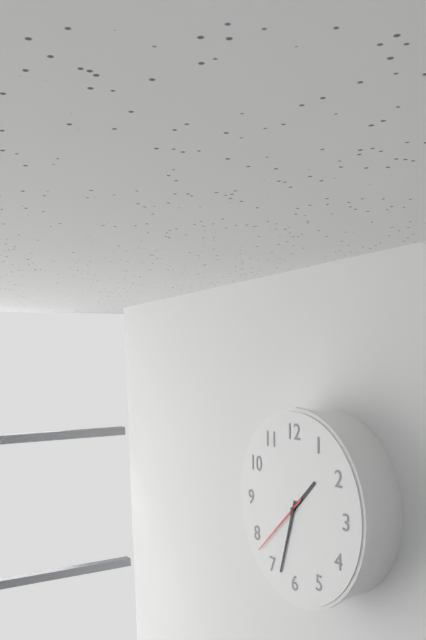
1:33:38
